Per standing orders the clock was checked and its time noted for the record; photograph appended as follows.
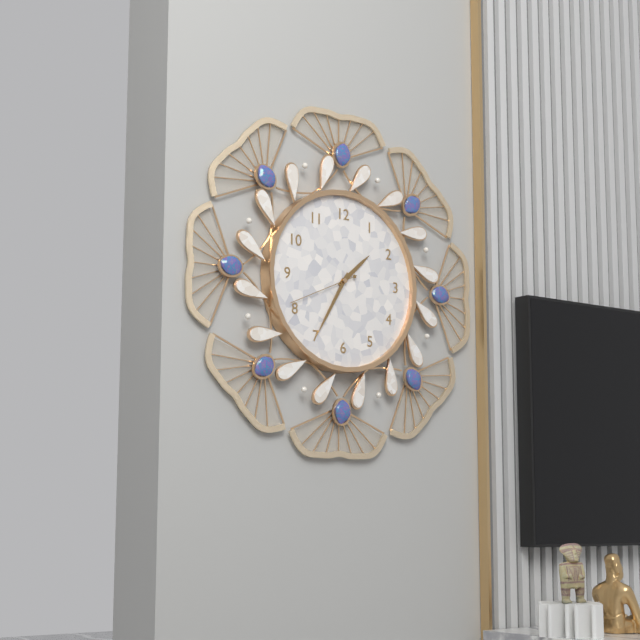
1:35:41
